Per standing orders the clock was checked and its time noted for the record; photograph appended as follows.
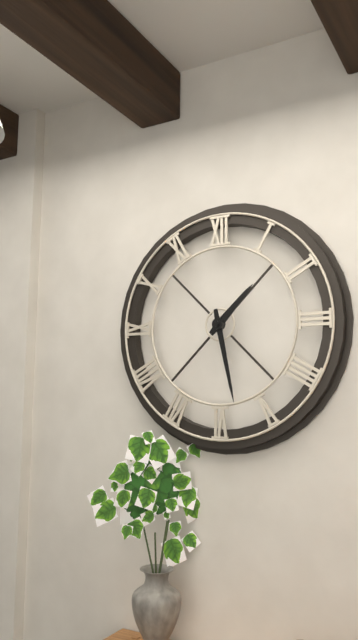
1:28
